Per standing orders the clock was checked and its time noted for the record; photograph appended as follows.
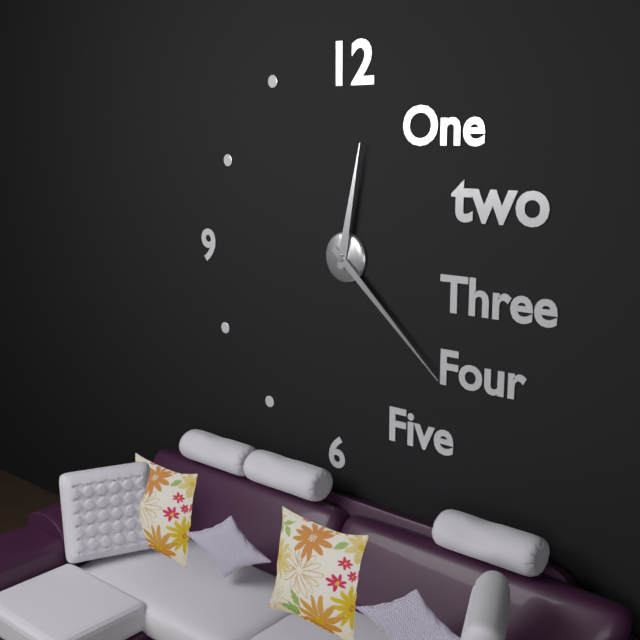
12:22
